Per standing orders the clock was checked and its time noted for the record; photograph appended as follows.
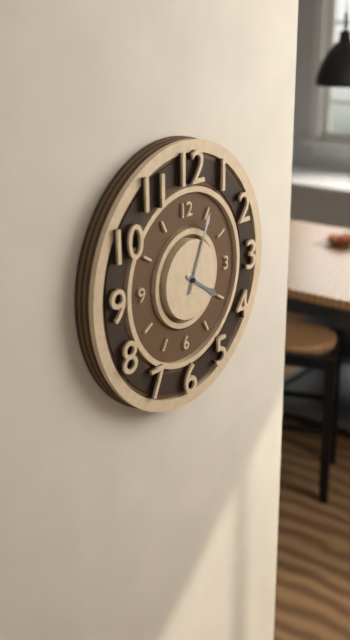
4:04
